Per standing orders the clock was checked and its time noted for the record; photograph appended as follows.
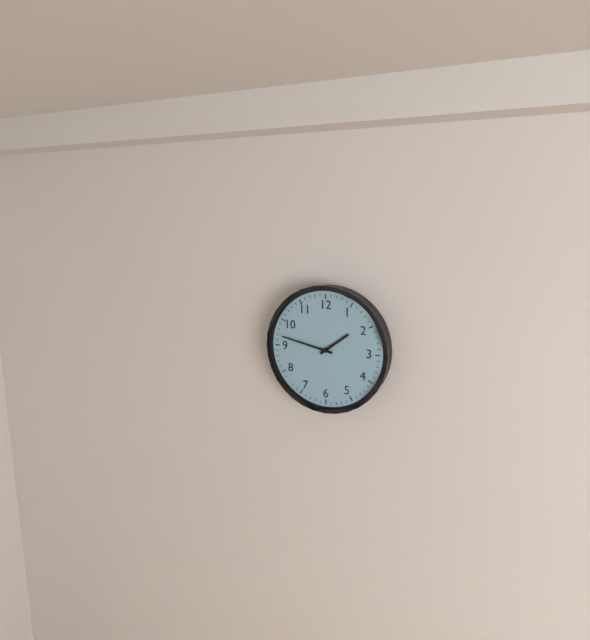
1:47
